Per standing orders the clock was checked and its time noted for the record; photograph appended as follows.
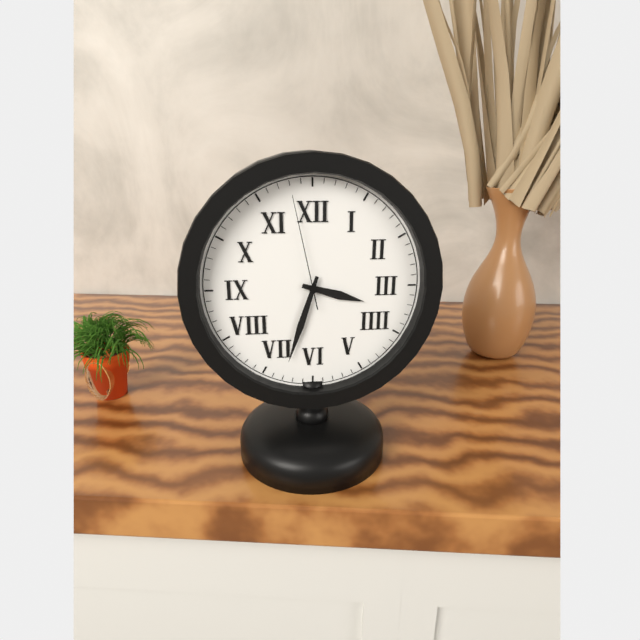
3:33:58
